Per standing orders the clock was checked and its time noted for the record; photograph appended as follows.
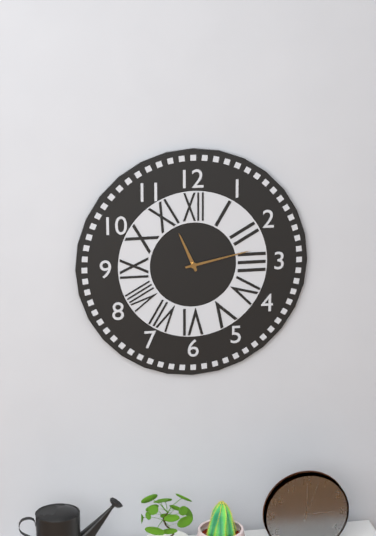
11:13
